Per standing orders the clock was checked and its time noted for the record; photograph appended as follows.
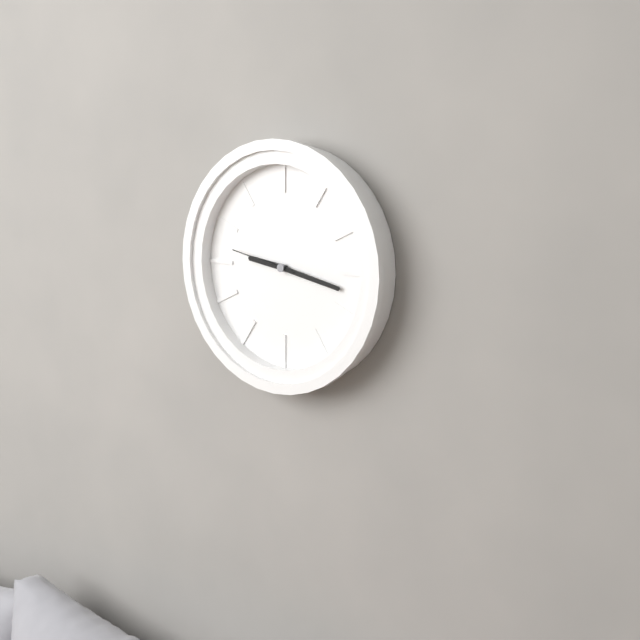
9:17:47
